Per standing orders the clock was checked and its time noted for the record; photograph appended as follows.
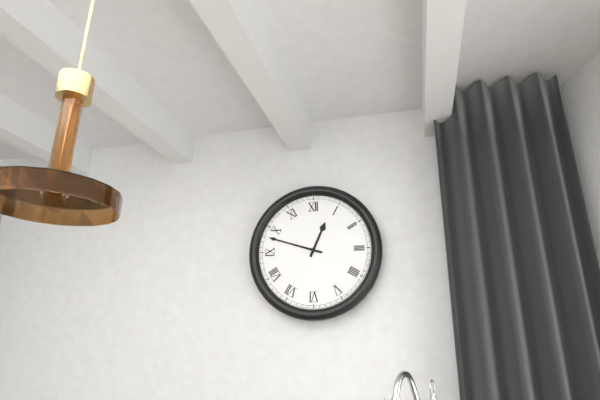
12:48
